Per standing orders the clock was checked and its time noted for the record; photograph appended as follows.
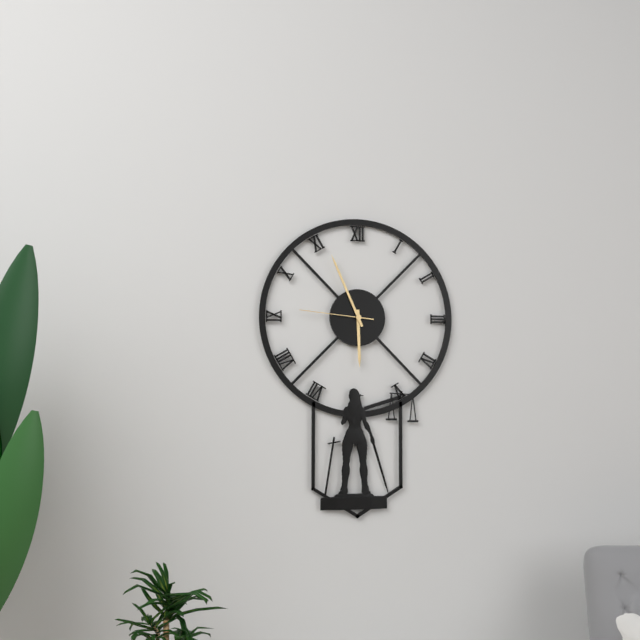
5:56:46
